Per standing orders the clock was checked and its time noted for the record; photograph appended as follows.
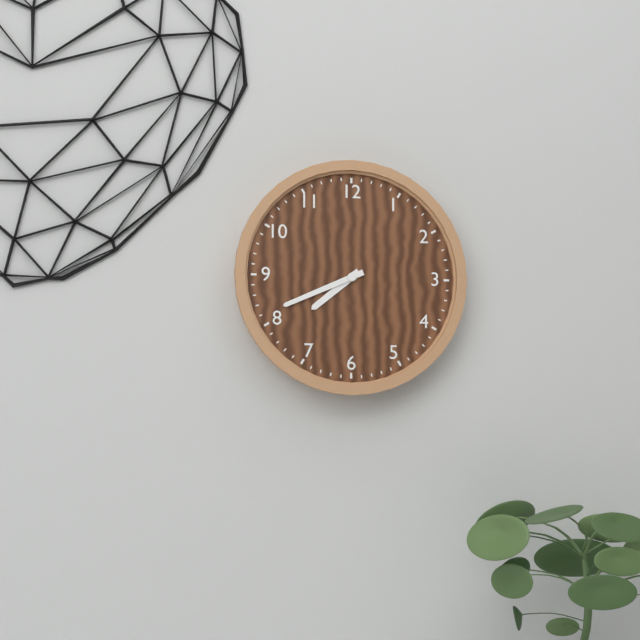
7:41
